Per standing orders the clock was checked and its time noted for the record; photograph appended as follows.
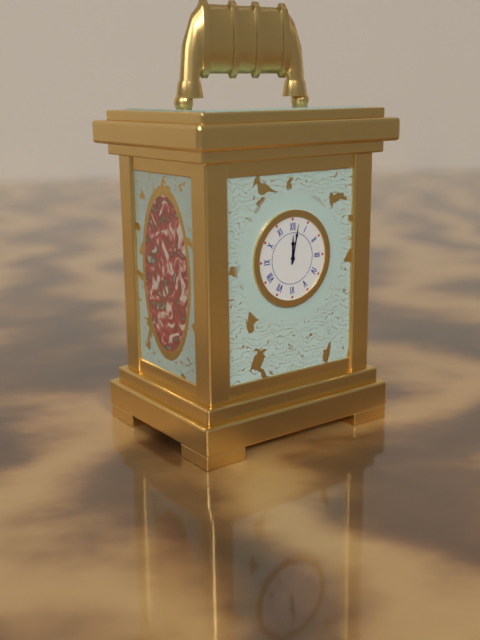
12:02
